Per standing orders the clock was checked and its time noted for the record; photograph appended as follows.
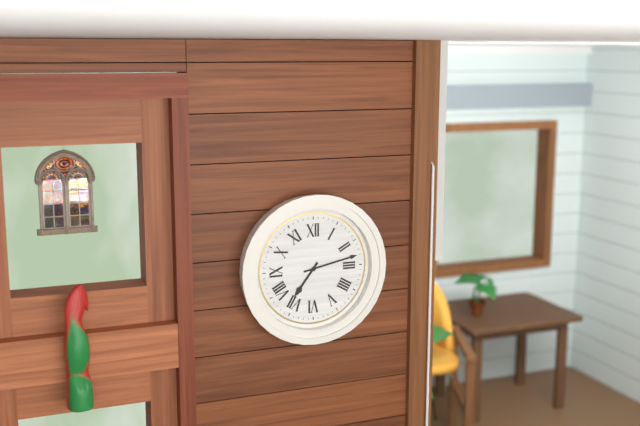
7:13
